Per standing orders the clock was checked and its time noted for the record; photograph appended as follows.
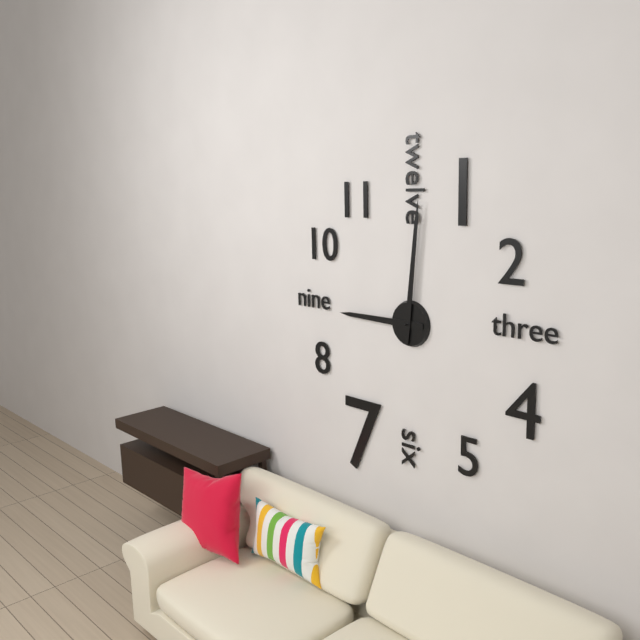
9:01
